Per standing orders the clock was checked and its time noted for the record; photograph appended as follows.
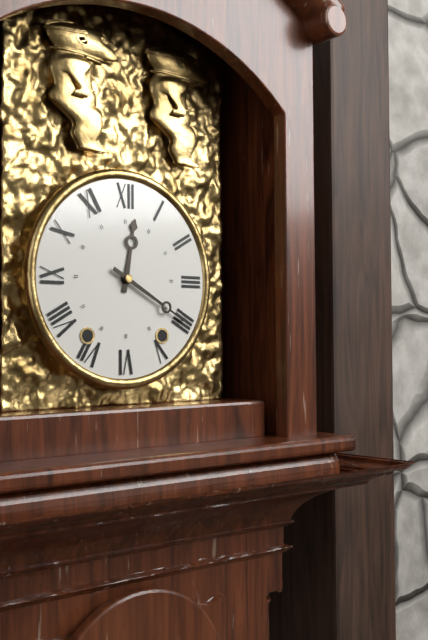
12:20
